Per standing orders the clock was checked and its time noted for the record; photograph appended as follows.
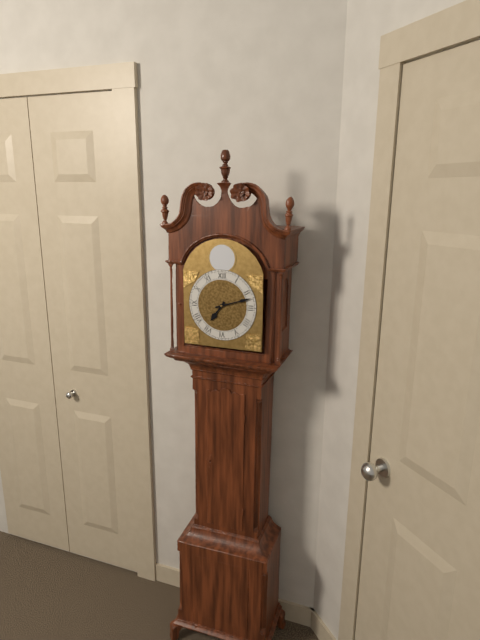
7:12
